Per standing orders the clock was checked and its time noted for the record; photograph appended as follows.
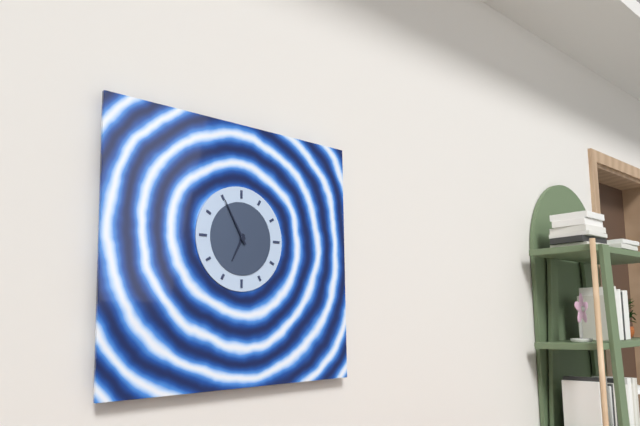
6:55
